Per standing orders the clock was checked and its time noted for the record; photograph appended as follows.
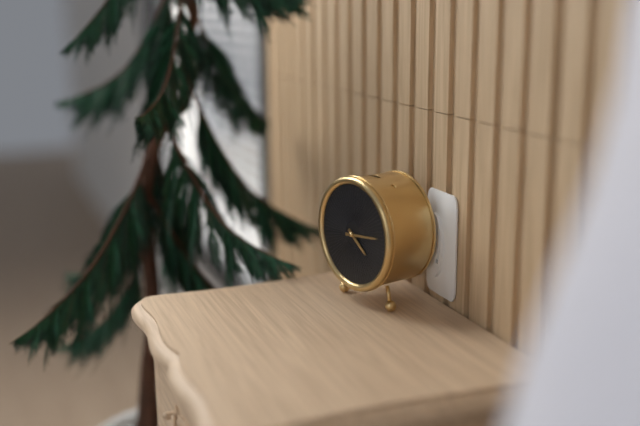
4:14
